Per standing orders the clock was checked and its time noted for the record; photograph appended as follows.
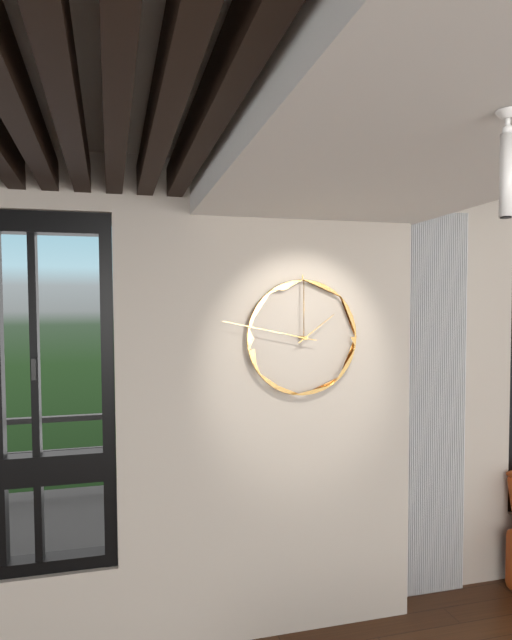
1:47
